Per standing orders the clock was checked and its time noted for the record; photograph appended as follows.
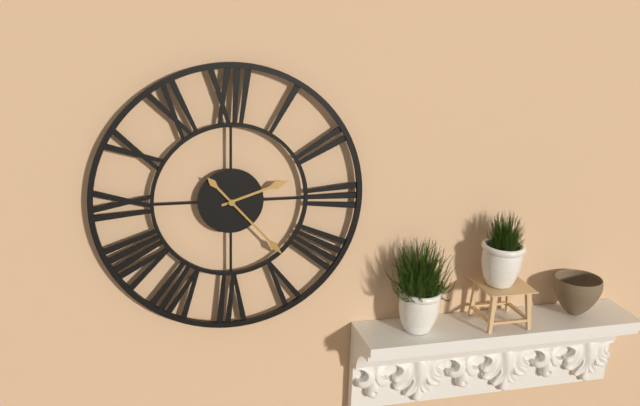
2:23
